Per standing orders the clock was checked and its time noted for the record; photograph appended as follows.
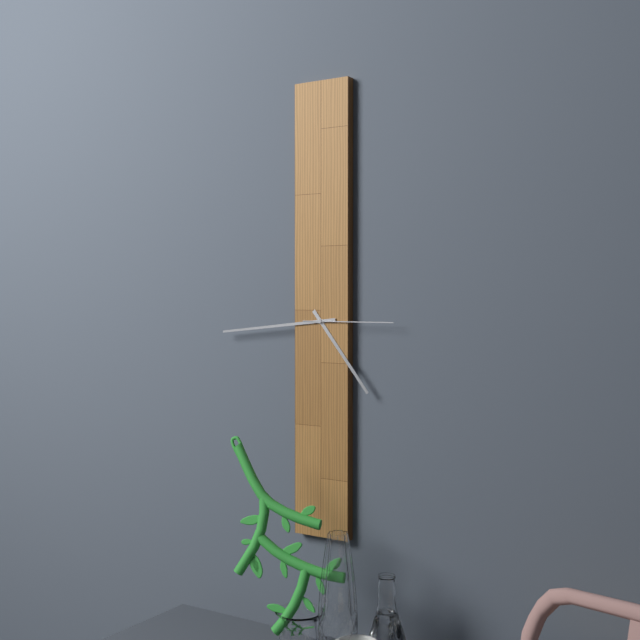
4:44:15
